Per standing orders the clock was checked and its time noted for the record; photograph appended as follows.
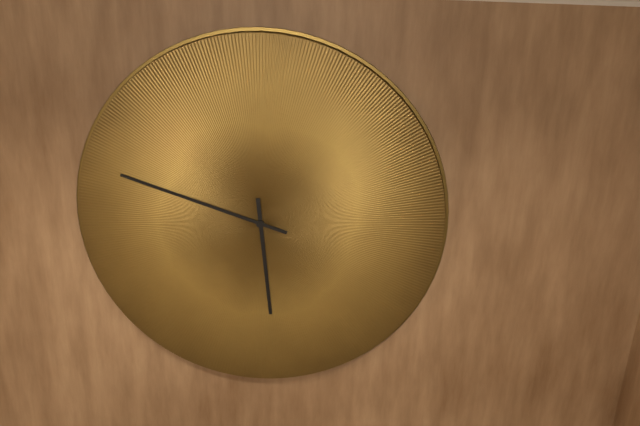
5:48
